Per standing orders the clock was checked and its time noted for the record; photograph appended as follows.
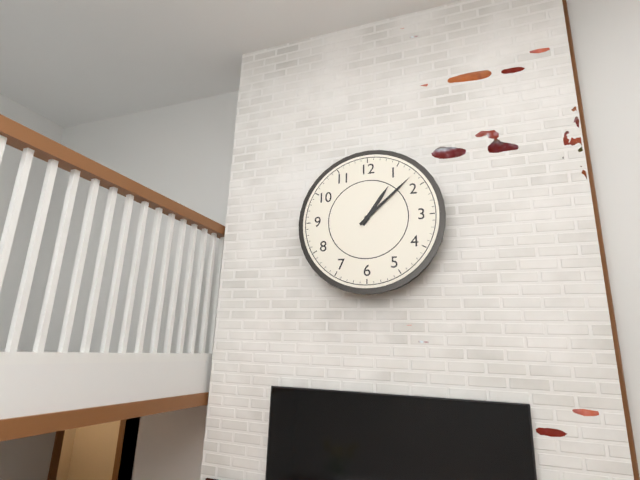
1:08
